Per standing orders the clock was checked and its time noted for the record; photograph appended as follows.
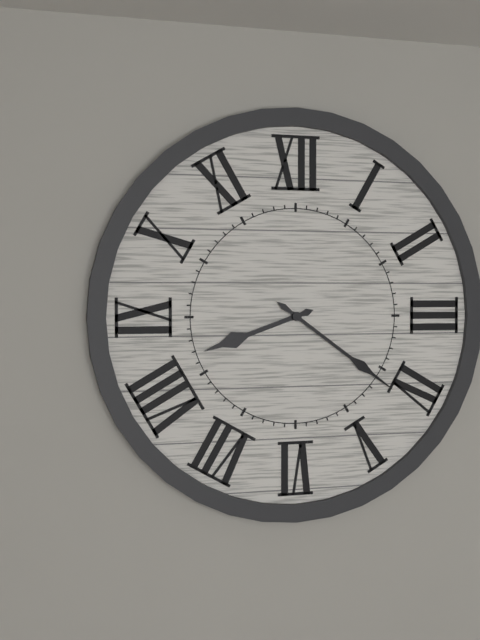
8:21
